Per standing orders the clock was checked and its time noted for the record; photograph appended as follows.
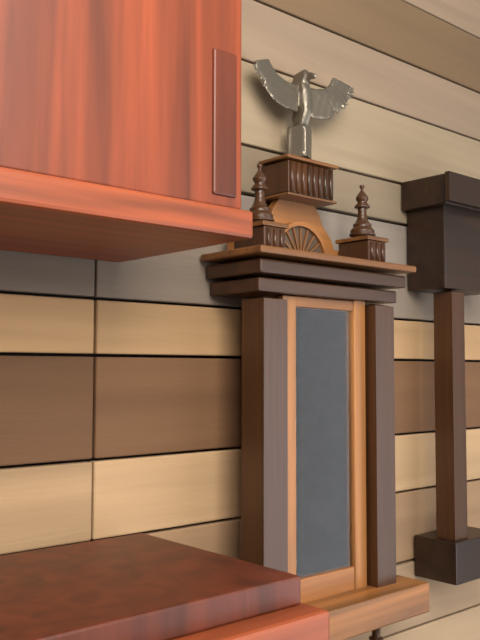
12:10
